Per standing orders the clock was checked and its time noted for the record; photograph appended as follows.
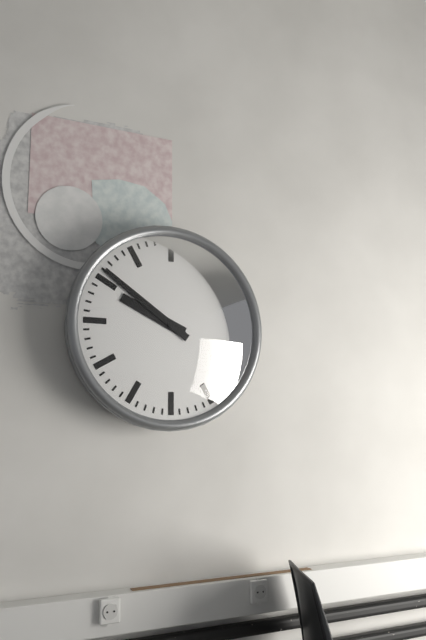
9:51
